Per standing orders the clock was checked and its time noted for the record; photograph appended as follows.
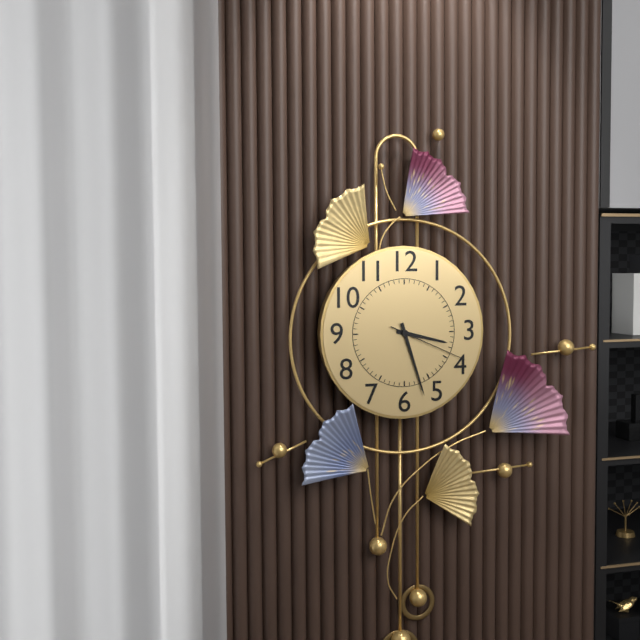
3:27:19
